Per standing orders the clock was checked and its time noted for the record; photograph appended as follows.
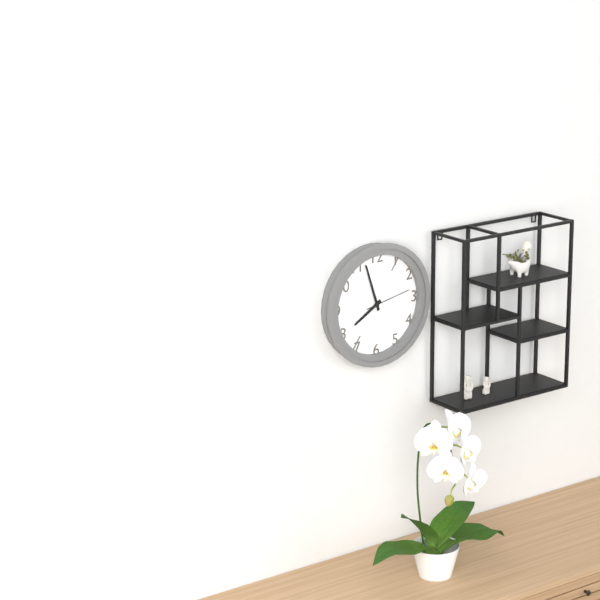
7:57
